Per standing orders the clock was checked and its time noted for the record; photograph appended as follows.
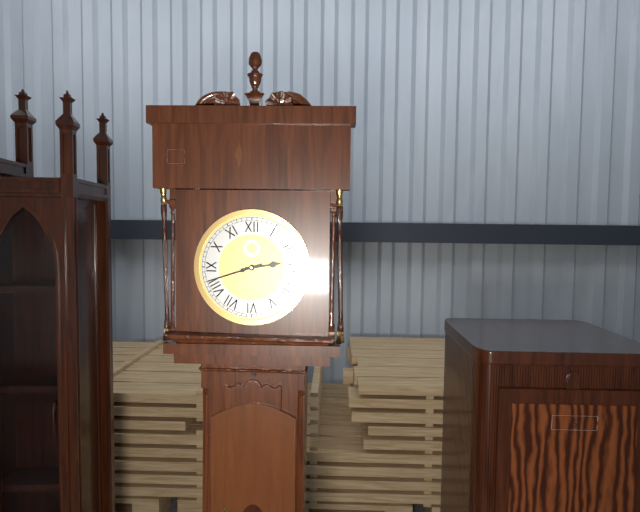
2:42
